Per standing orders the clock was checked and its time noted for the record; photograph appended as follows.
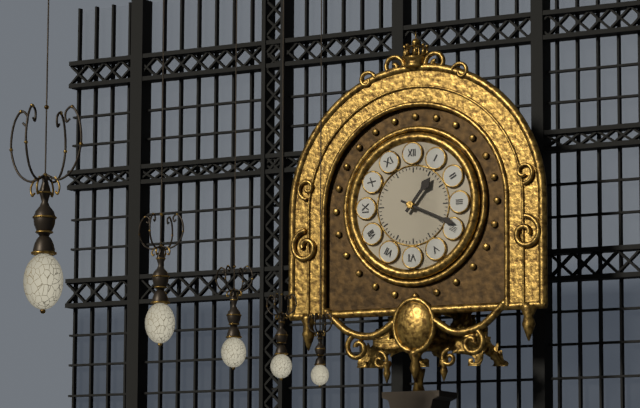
1:19
